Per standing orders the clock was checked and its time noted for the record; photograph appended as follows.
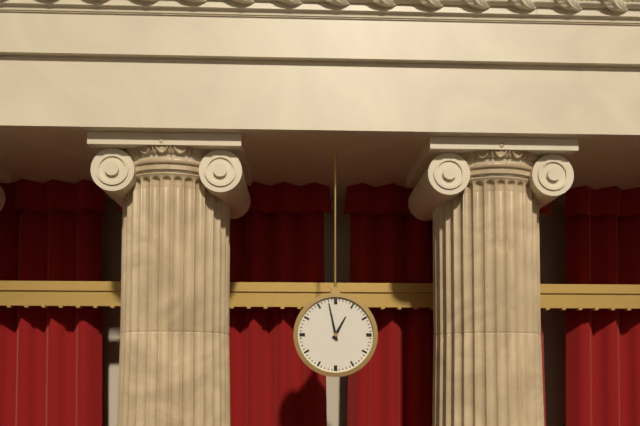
12:58
